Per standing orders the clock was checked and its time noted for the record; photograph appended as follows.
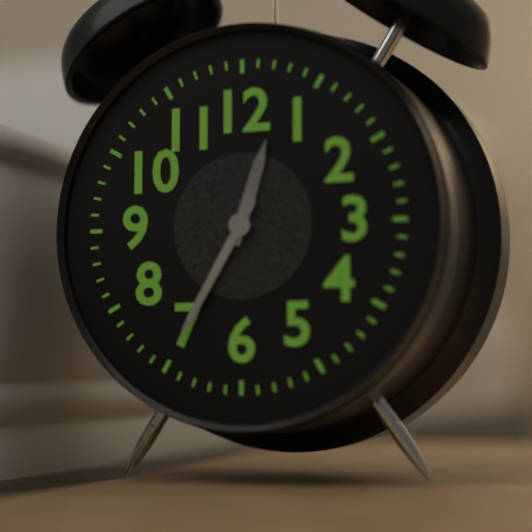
12:35
